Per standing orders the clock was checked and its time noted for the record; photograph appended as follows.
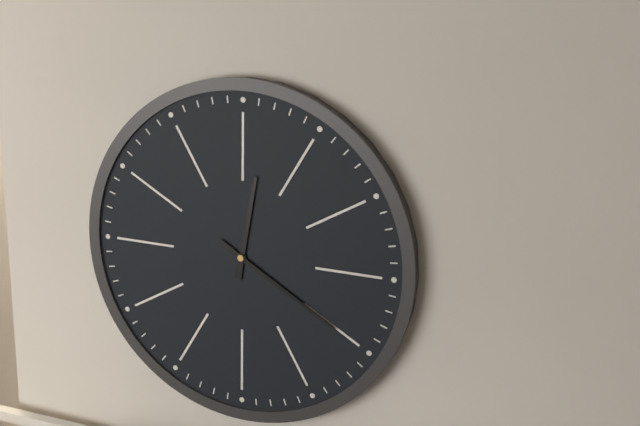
12:20
